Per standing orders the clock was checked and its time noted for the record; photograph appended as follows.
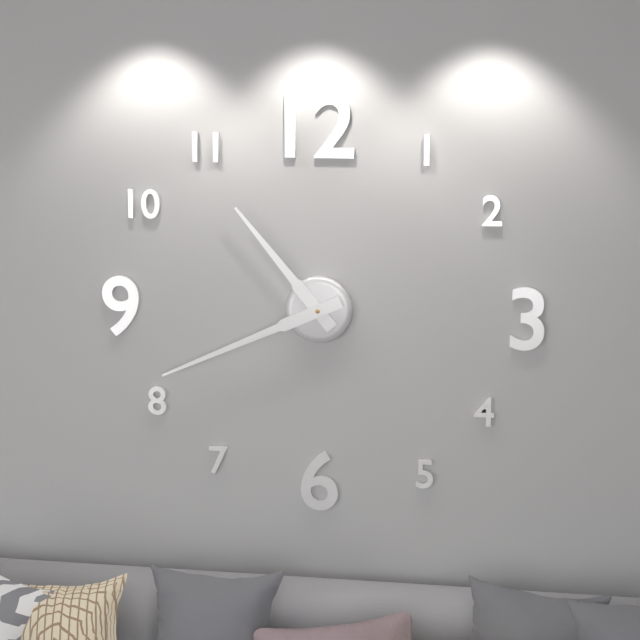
10:41
